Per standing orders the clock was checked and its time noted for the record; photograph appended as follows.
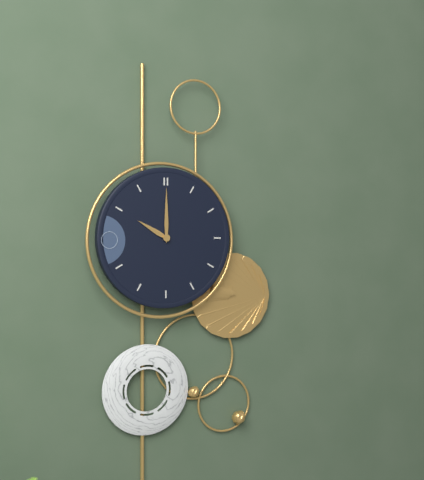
10:00
